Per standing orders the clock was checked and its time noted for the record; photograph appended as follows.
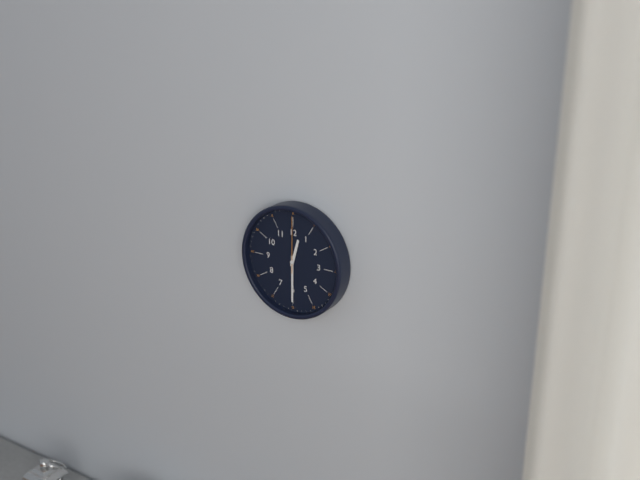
12:30:00
